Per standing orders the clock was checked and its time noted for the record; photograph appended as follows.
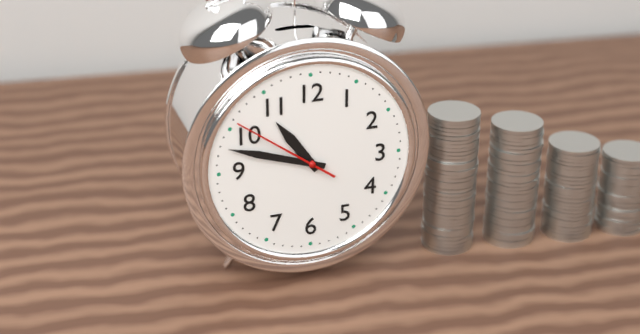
10:48:51
